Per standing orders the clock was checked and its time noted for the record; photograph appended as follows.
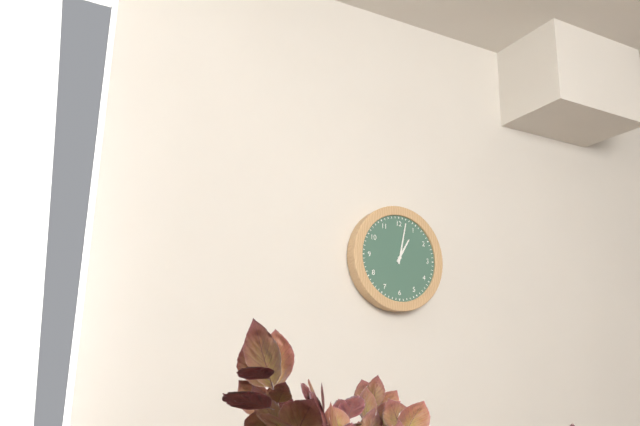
1:02
